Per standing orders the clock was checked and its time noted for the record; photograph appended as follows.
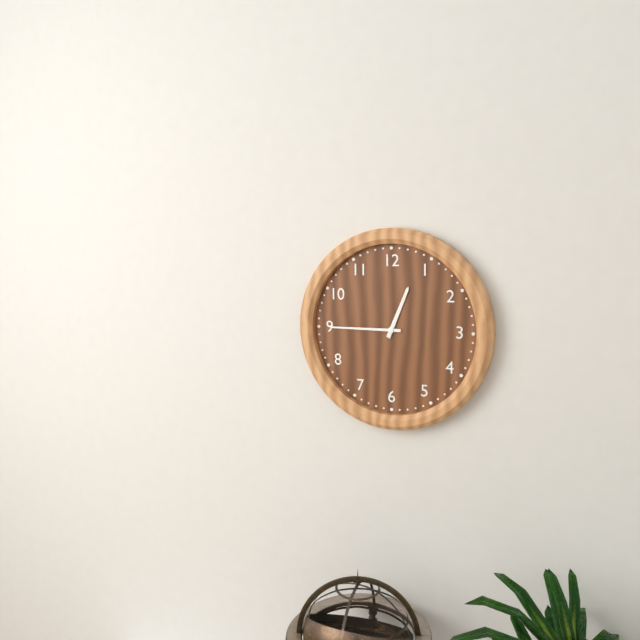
12:45
